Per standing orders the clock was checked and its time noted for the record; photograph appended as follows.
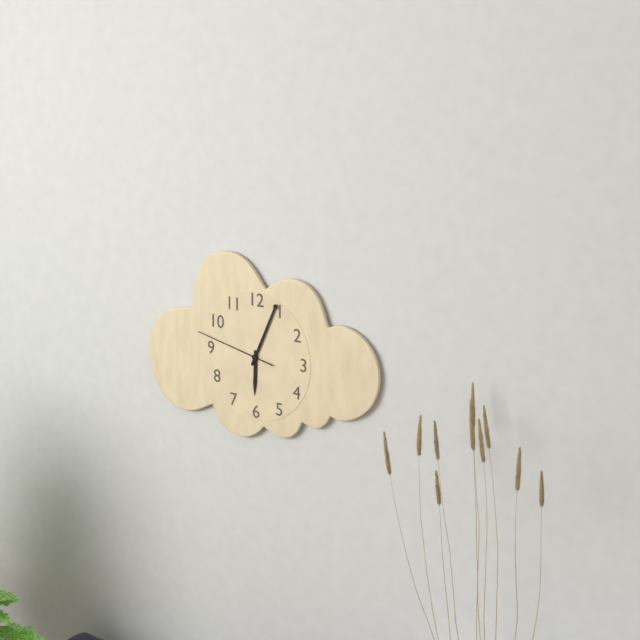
6:04:47
